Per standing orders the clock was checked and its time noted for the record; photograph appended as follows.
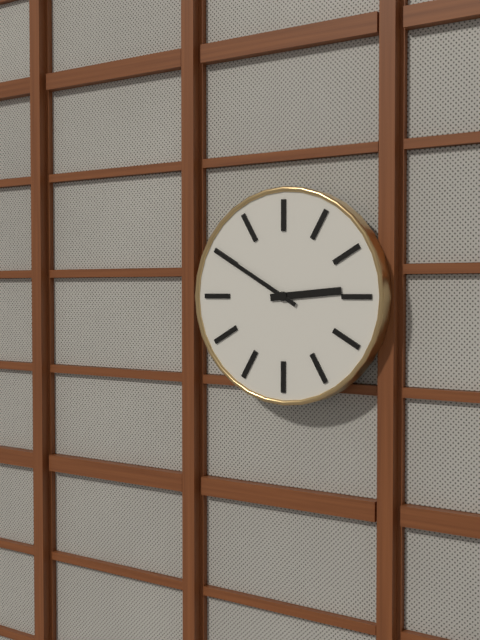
2:50
